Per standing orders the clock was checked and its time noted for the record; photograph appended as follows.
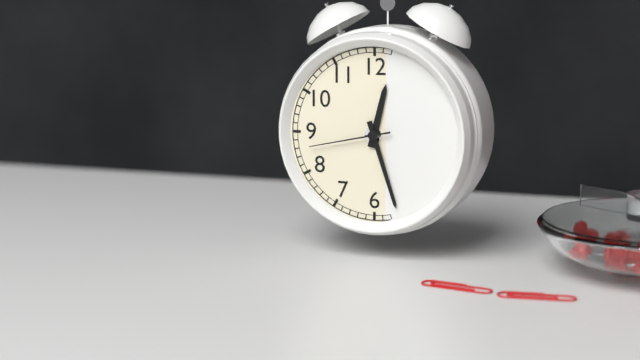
12:27:43
